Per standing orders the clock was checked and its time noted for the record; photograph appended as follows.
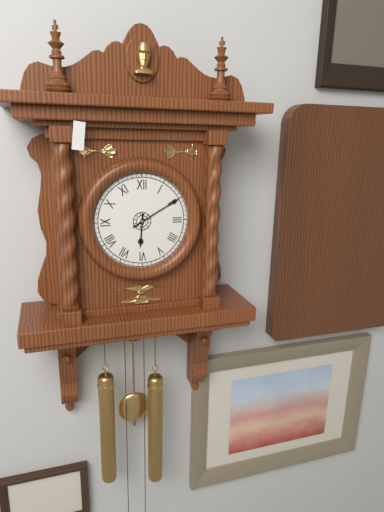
6:10
